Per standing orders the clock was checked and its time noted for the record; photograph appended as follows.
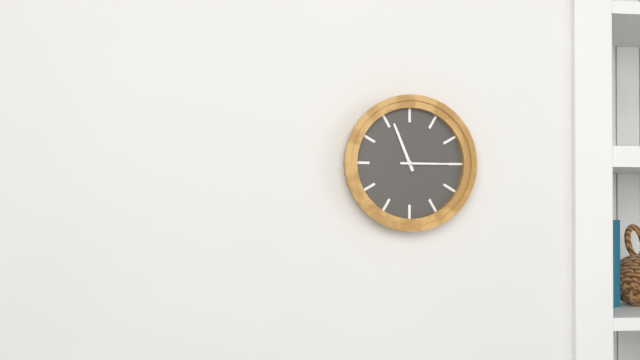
11:15
